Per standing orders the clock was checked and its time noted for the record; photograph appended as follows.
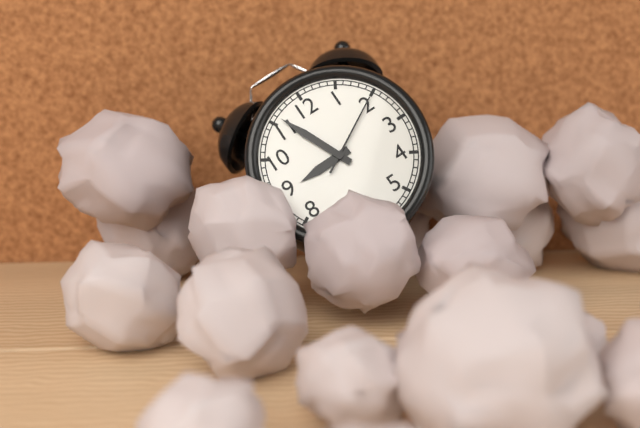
8:56:10
